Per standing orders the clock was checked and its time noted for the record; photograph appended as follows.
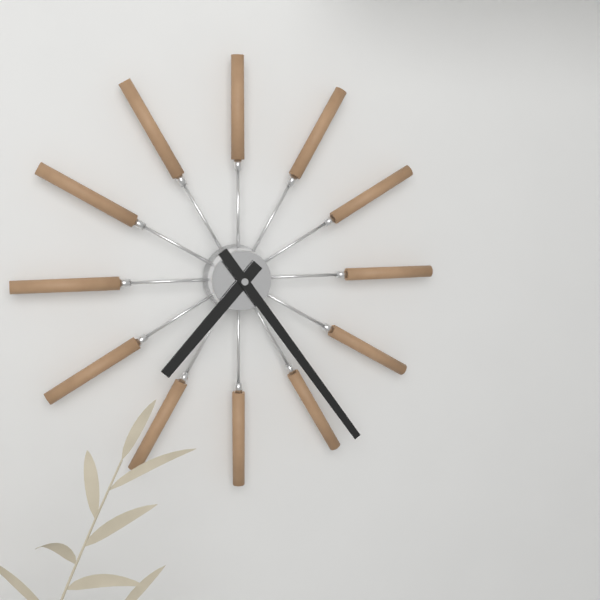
7:24
